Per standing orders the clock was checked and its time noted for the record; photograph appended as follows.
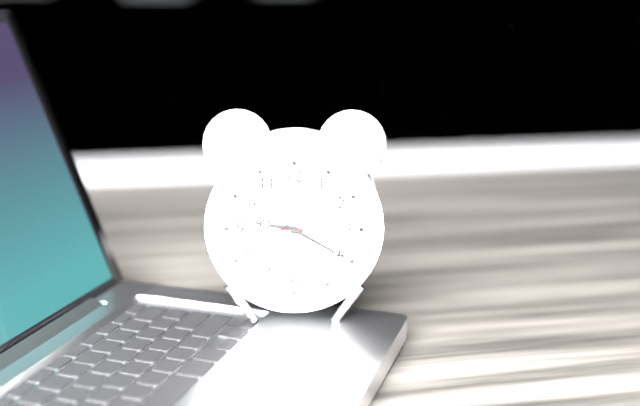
9:20:15
